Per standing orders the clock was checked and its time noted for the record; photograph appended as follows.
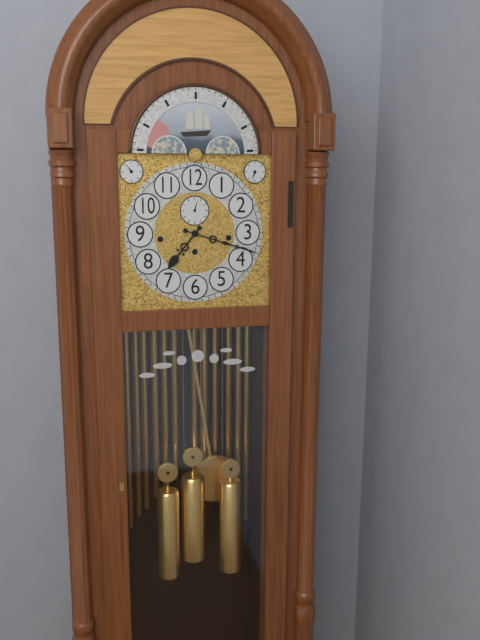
7:18
